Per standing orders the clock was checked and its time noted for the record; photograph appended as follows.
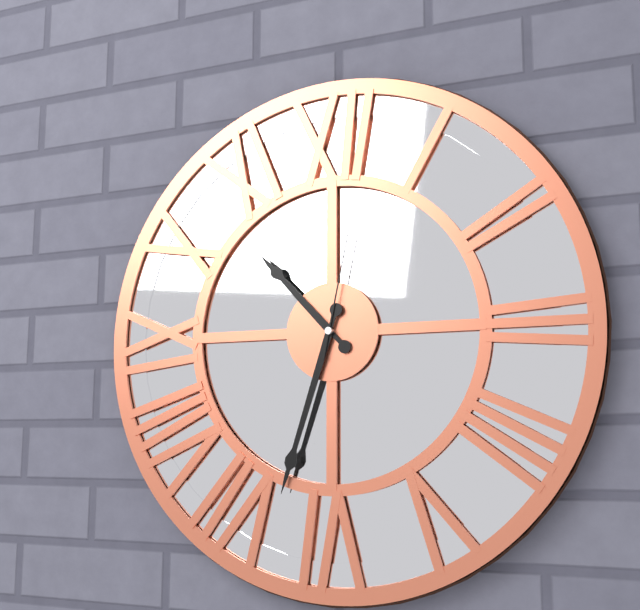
10:33:02
